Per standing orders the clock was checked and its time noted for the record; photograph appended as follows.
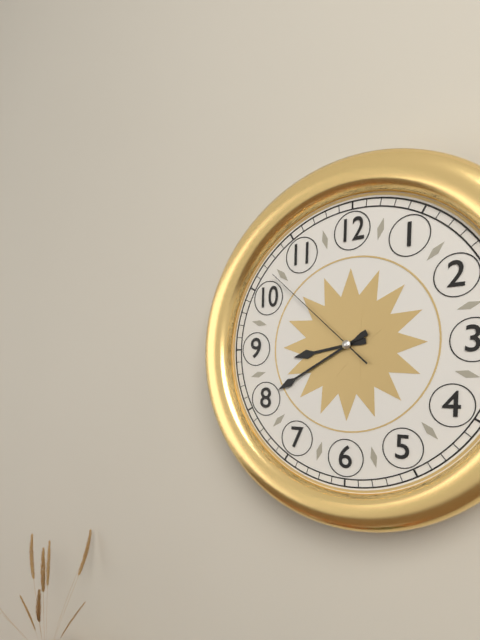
8:40:52
